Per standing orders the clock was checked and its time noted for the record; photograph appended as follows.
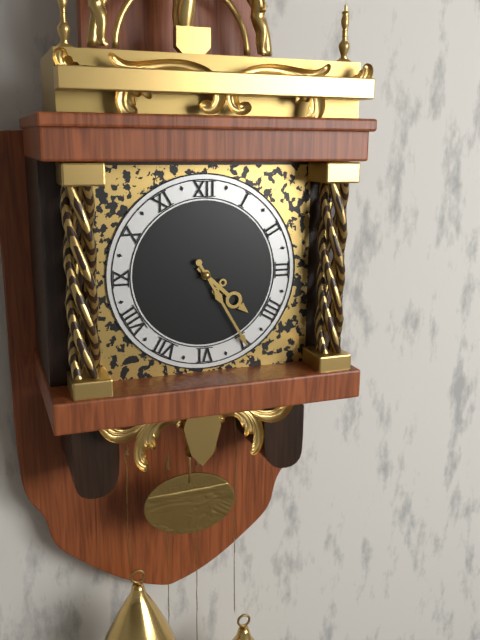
4:25
